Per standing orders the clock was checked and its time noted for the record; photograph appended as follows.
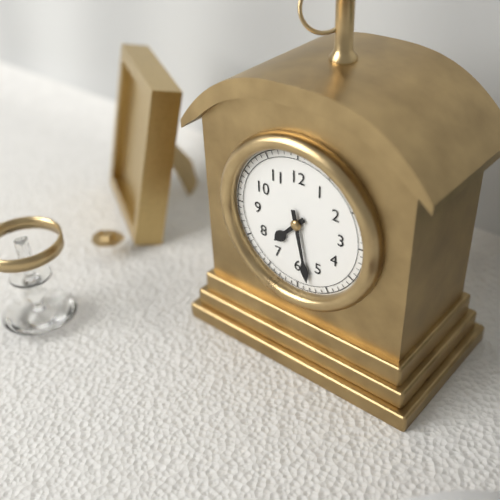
7:28
